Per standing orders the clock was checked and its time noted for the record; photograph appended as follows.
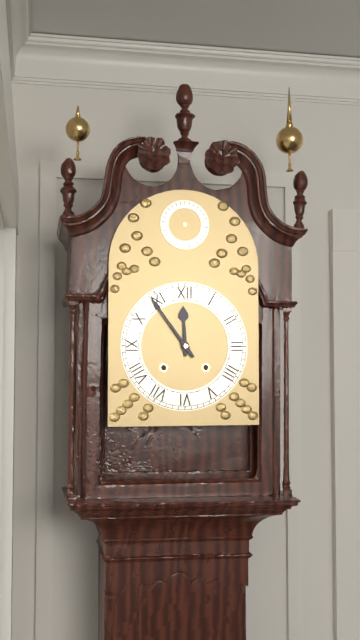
11:54
